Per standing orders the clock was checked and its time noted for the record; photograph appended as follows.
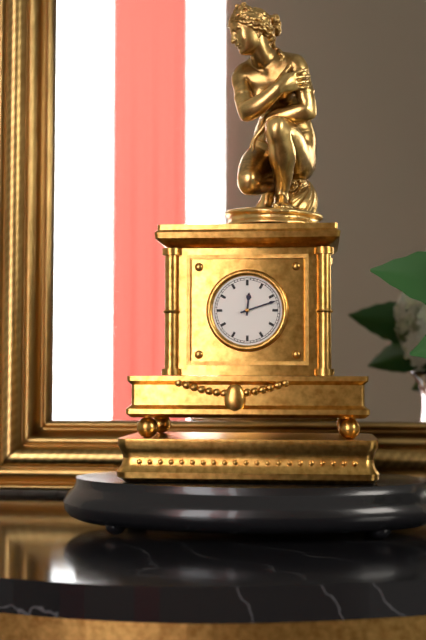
12:12
